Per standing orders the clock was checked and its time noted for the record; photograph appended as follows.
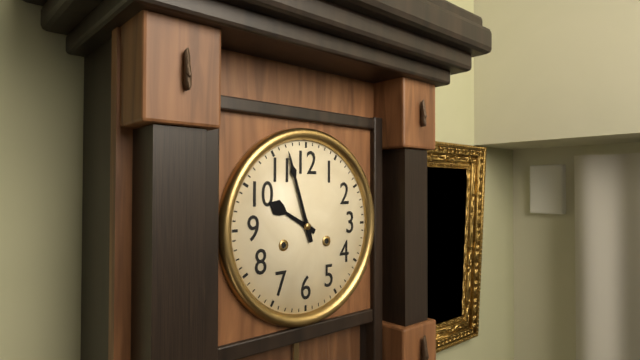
9:57
